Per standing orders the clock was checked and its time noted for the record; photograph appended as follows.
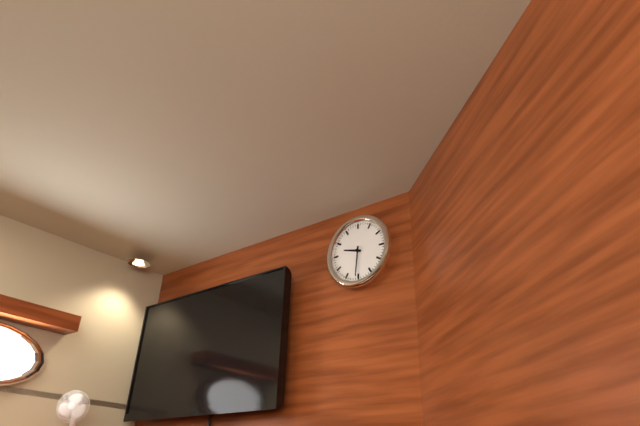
9:31
